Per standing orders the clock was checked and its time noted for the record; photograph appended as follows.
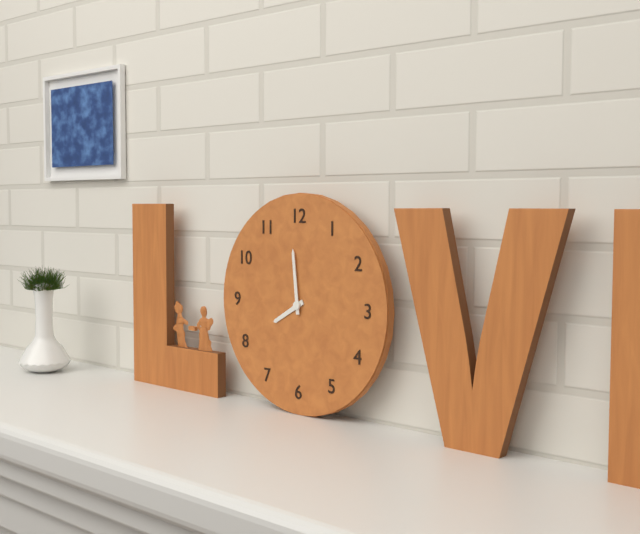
7:59
